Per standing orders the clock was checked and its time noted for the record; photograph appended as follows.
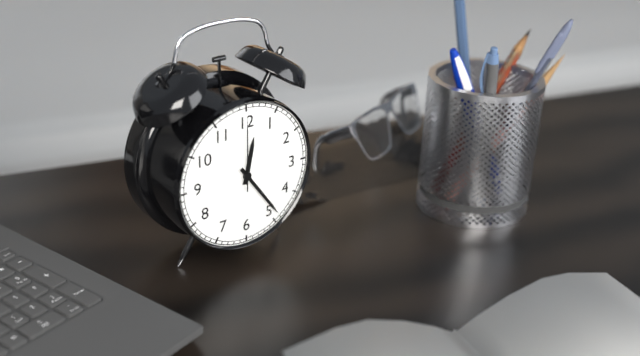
12:24:00
